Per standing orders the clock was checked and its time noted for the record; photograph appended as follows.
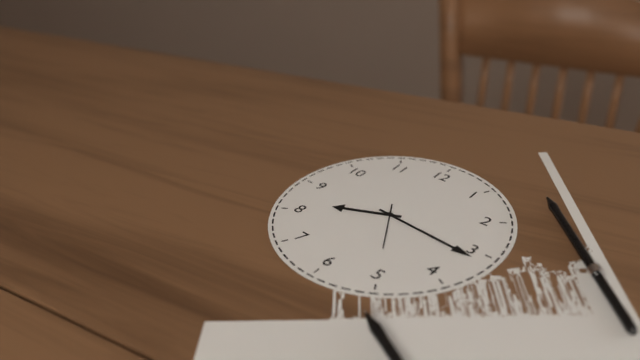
8:16
